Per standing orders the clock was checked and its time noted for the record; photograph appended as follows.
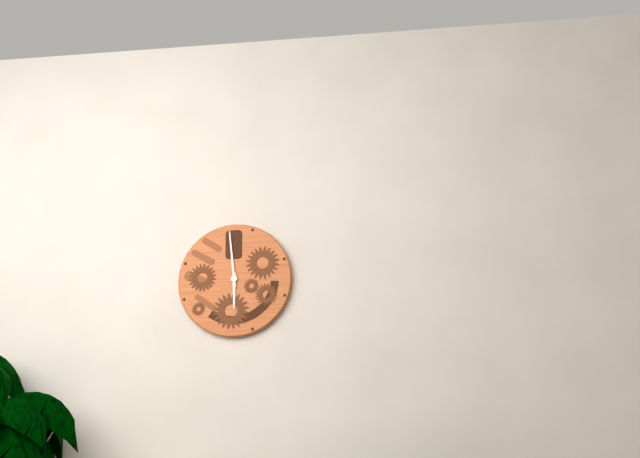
5:59
